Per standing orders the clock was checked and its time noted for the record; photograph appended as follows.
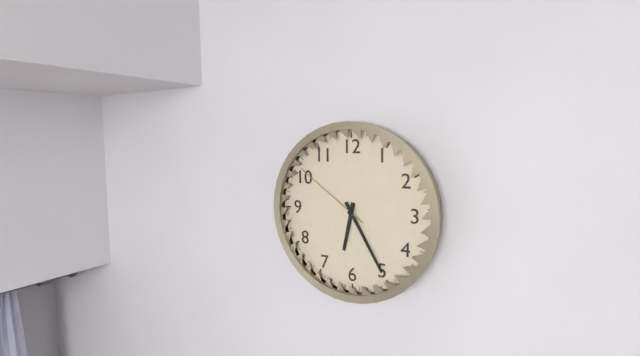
6:25:51
